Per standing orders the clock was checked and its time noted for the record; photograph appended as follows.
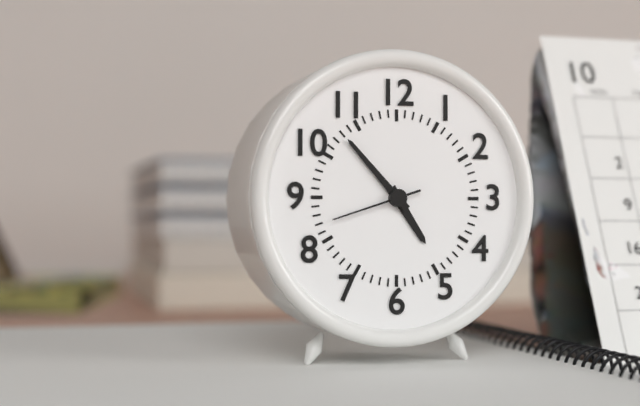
4:53:42
